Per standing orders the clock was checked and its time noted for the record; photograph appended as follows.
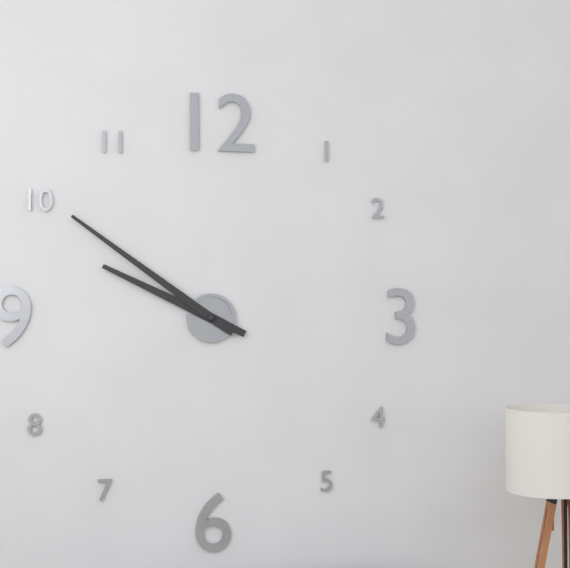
9:51
